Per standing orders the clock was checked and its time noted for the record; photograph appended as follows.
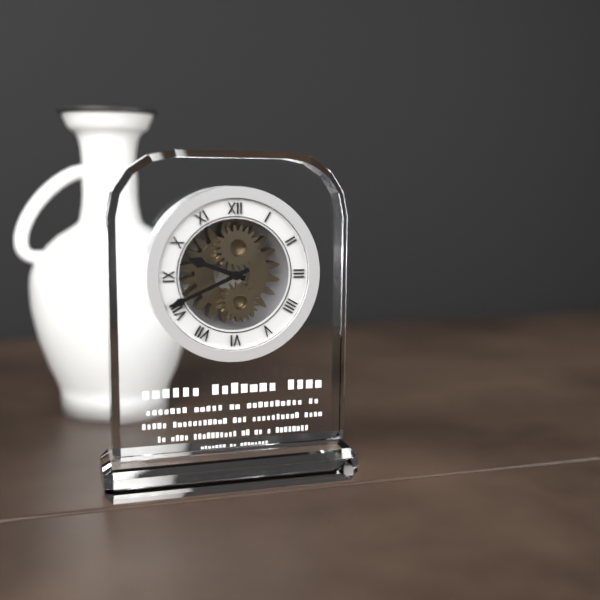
9:41
